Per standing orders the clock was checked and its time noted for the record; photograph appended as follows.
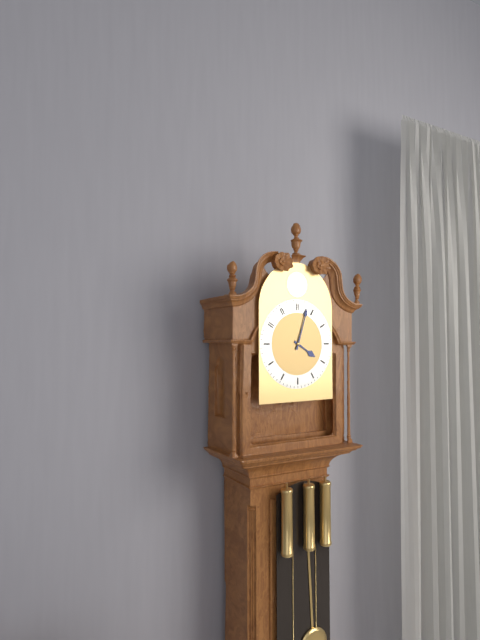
4:03
